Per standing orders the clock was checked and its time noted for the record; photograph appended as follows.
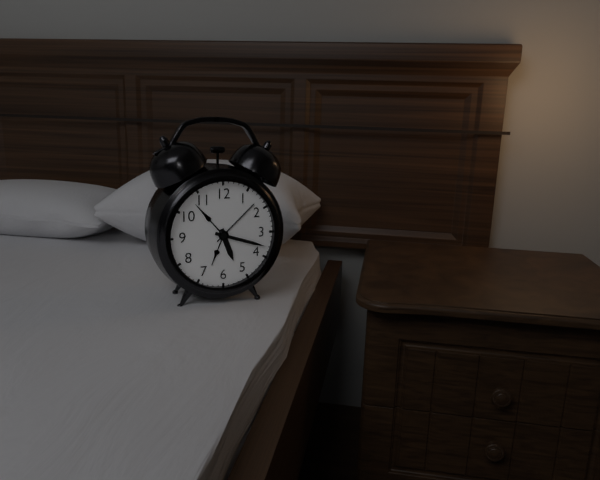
5:18
